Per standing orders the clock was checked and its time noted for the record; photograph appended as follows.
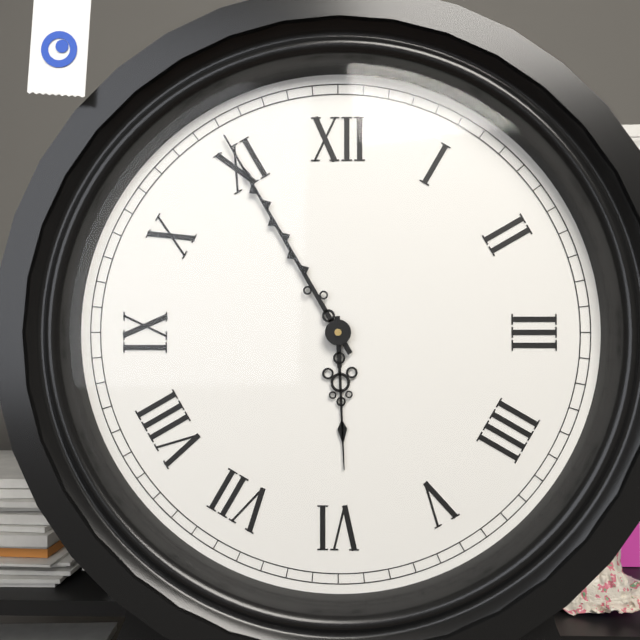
5:55
